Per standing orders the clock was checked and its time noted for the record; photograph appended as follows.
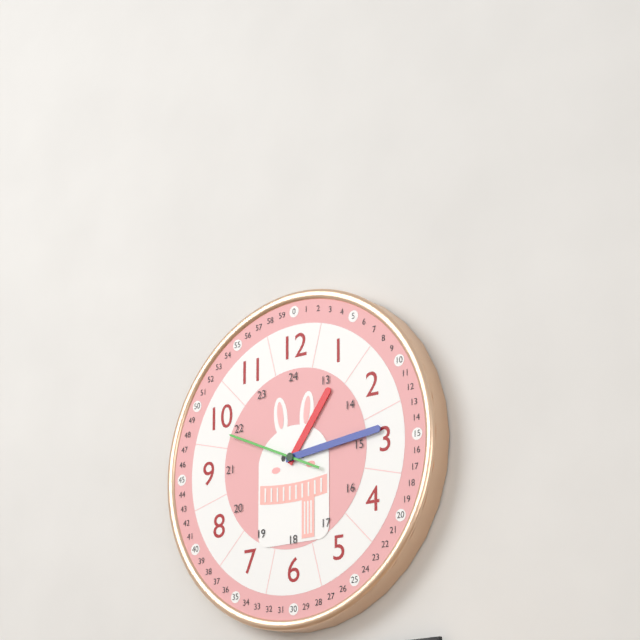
1:14:49
